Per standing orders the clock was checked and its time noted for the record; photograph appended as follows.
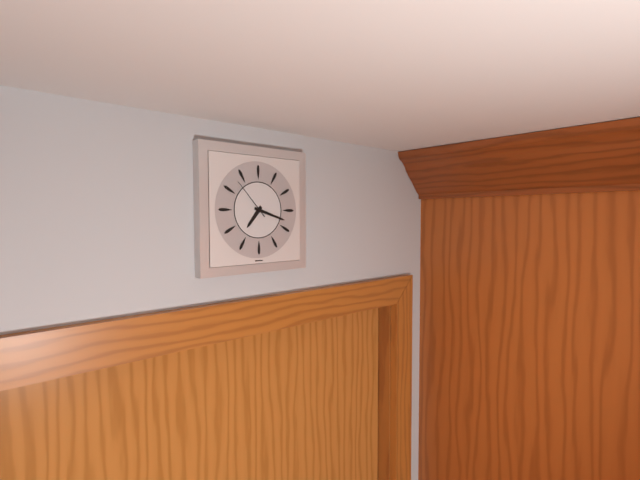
7:18
